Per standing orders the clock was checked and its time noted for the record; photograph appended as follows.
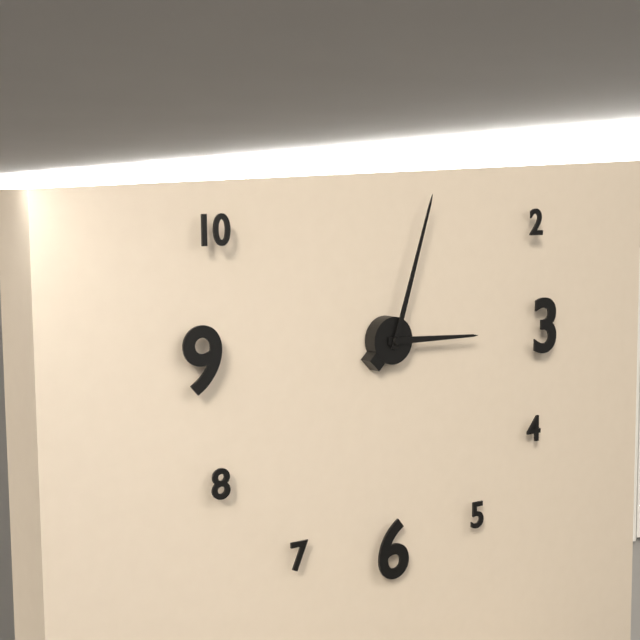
3:03
